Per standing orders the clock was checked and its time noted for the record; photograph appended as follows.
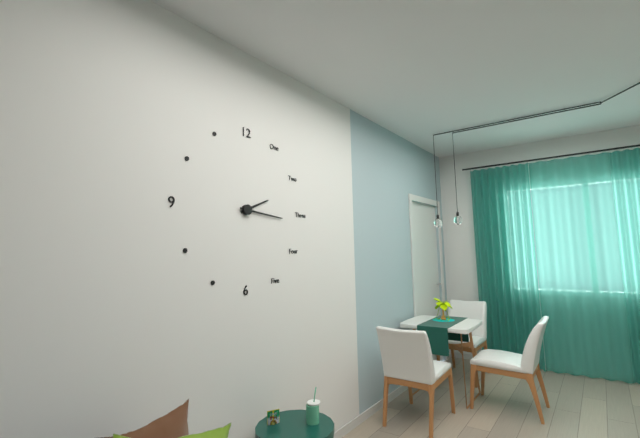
2:16
